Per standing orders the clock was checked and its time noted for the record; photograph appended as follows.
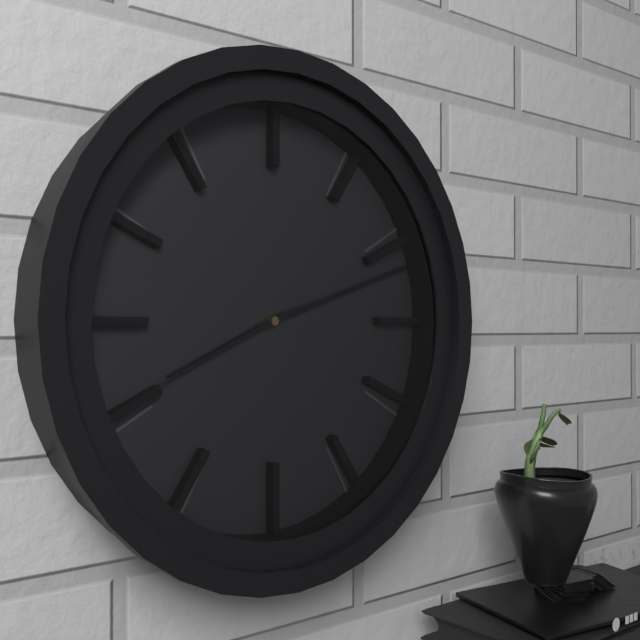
8:12:41
